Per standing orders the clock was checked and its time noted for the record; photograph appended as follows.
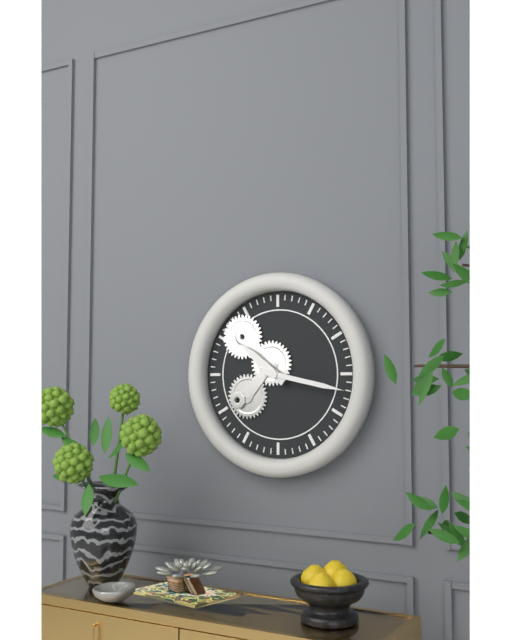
10:17
